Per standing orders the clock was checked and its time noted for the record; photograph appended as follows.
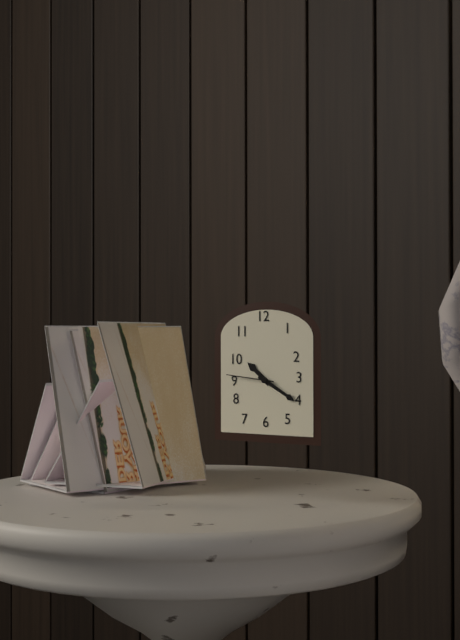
10:20
